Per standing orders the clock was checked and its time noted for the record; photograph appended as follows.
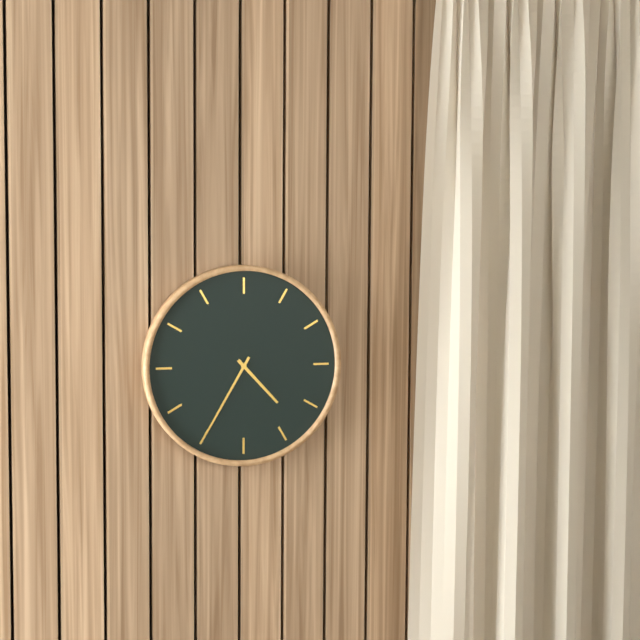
4:35
